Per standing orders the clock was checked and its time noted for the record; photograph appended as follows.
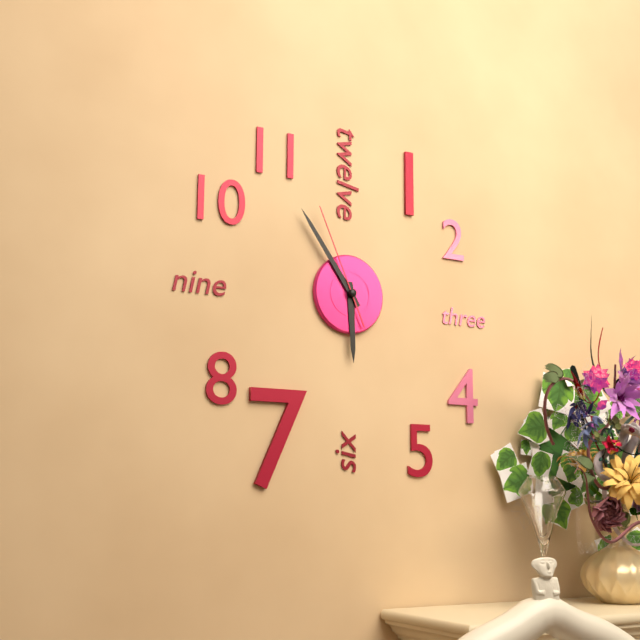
5:54:56
